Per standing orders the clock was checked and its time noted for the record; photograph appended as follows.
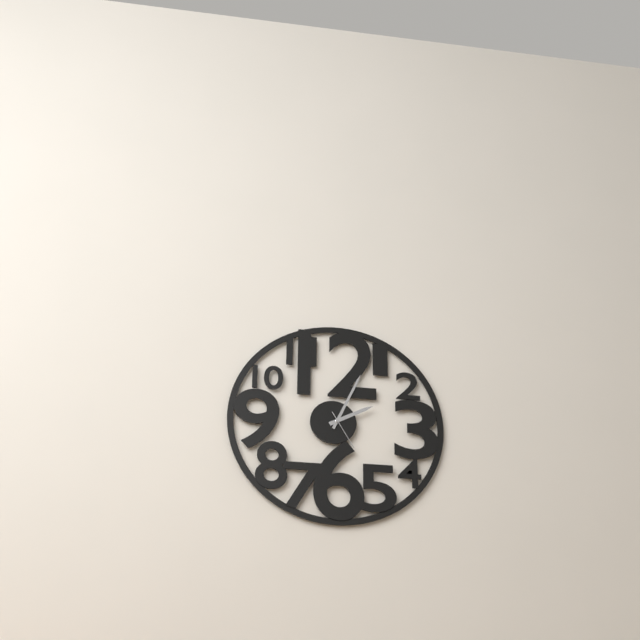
2:04
